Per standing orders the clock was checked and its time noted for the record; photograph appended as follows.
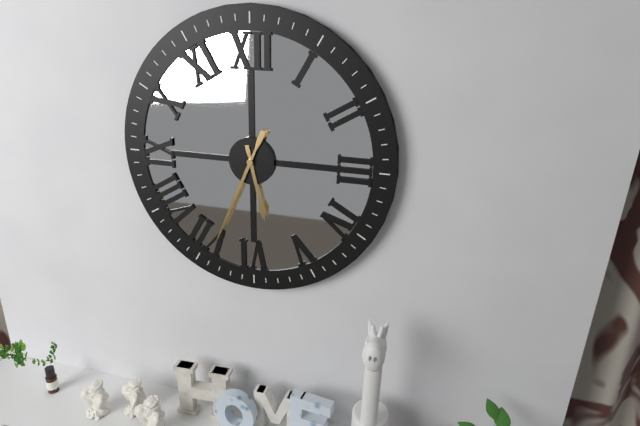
5:34
